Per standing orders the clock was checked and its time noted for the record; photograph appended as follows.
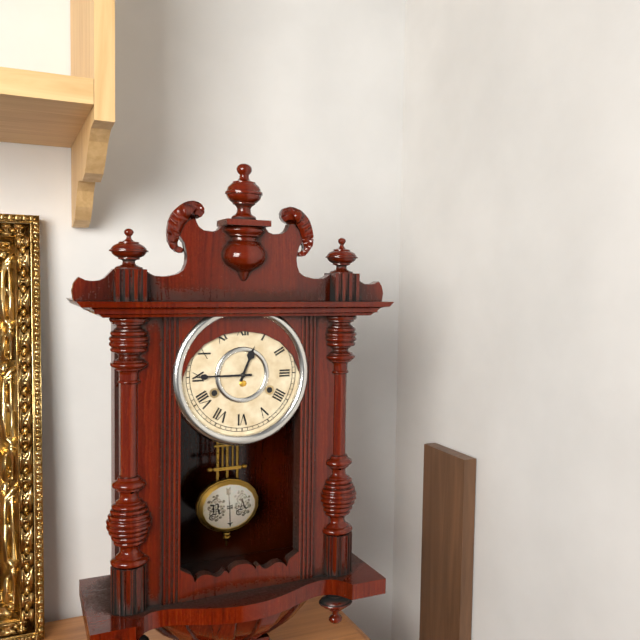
12:45
